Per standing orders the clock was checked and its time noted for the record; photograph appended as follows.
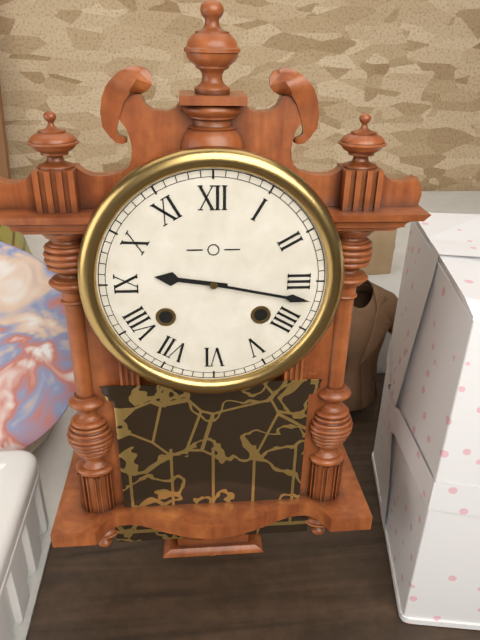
9:17
